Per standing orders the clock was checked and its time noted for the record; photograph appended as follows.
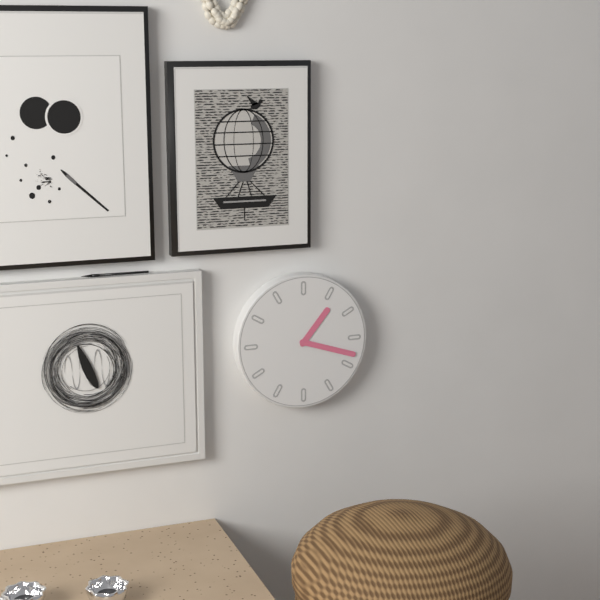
1:18
